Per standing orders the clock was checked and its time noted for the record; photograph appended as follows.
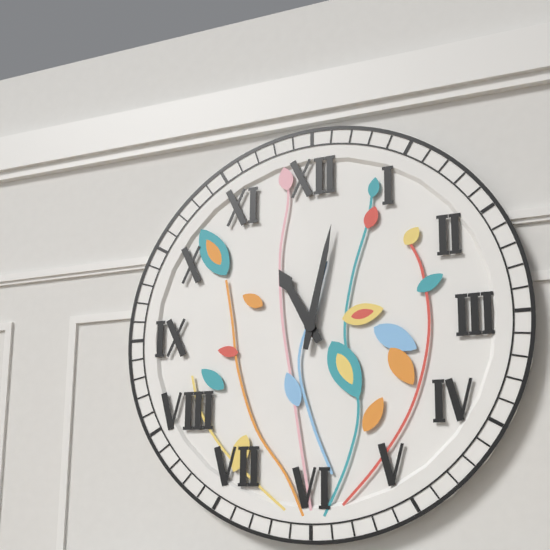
11:02
